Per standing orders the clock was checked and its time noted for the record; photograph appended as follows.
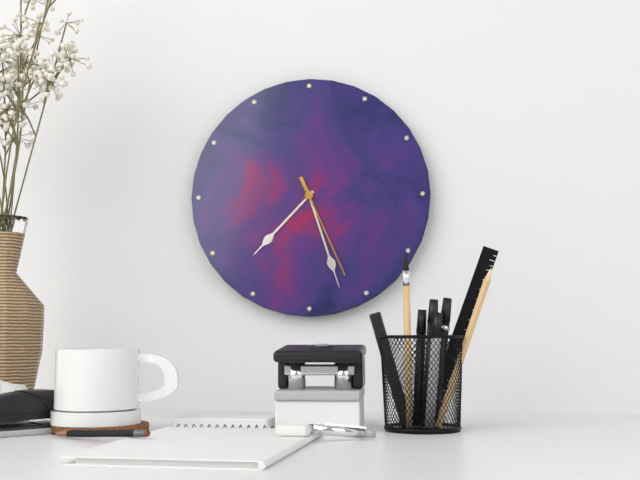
7:27:26
